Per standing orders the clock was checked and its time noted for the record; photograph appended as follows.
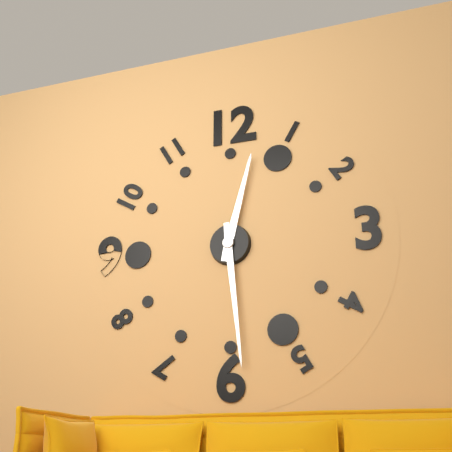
12:29
